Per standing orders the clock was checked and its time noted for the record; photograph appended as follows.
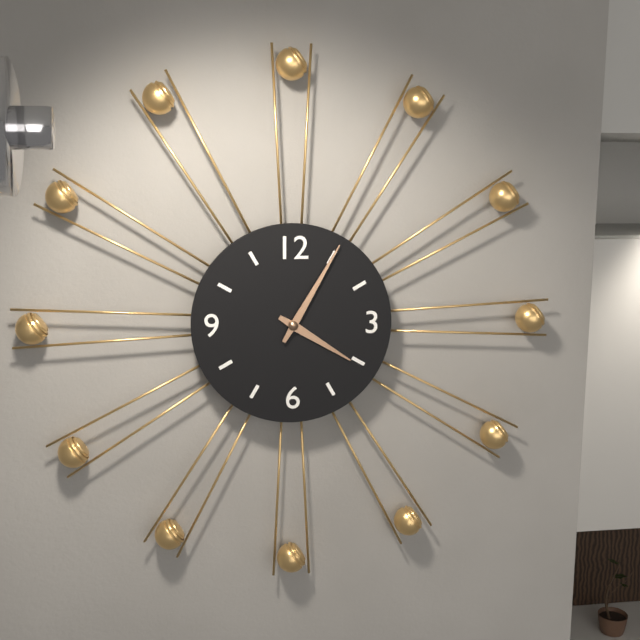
4:05
